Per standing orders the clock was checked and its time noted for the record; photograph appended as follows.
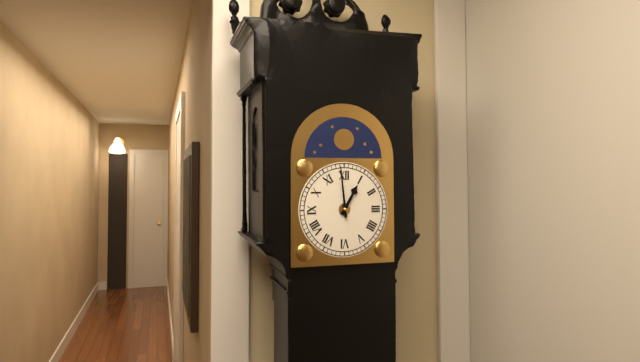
12:59
